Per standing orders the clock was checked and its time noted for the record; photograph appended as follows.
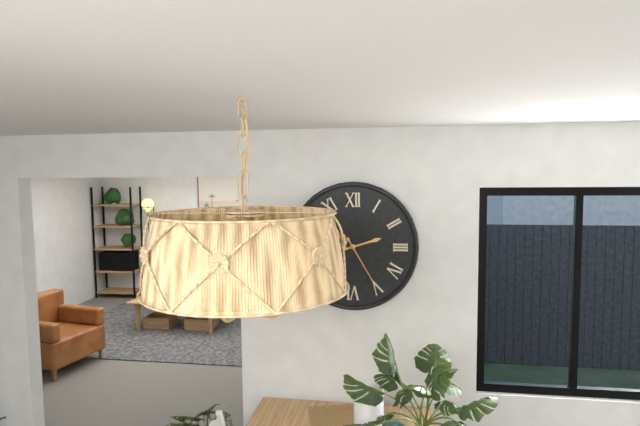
2:25
